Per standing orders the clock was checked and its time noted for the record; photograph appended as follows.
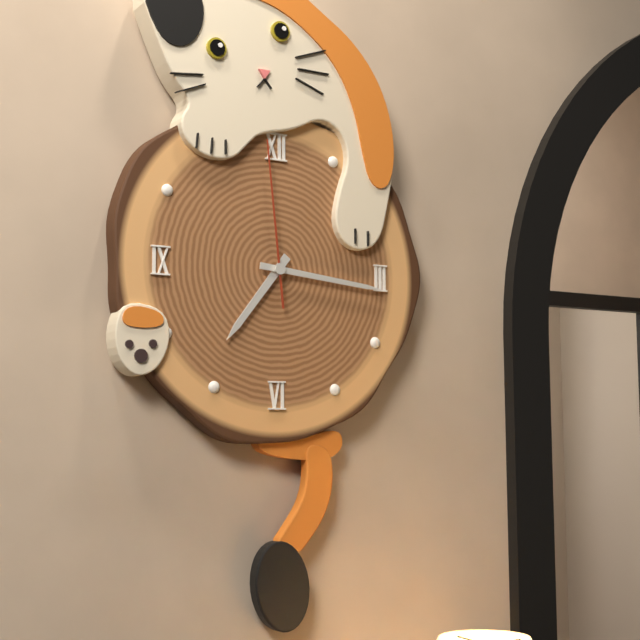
7:16:59
